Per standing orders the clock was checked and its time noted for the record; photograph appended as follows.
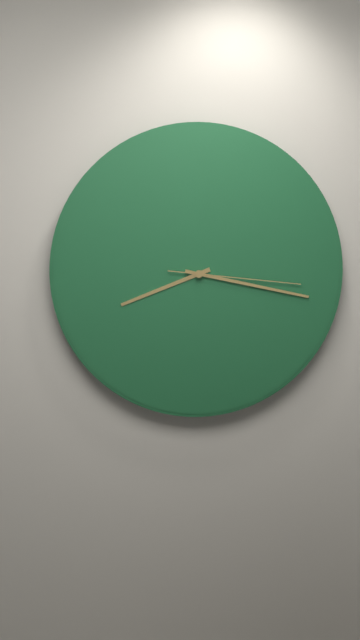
8:17:16
